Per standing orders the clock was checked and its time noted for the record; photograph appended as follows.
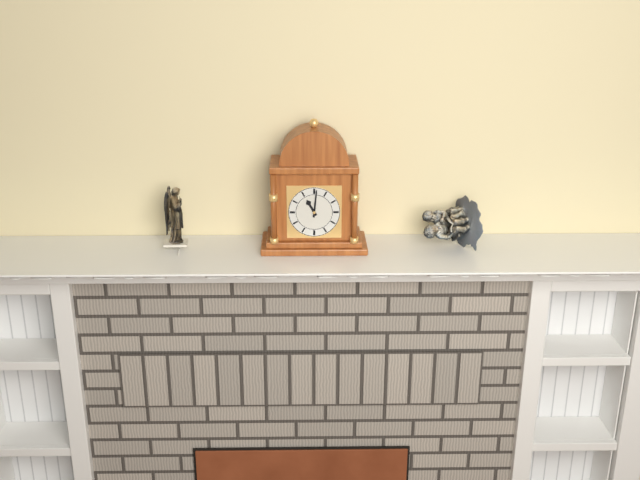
11:01
